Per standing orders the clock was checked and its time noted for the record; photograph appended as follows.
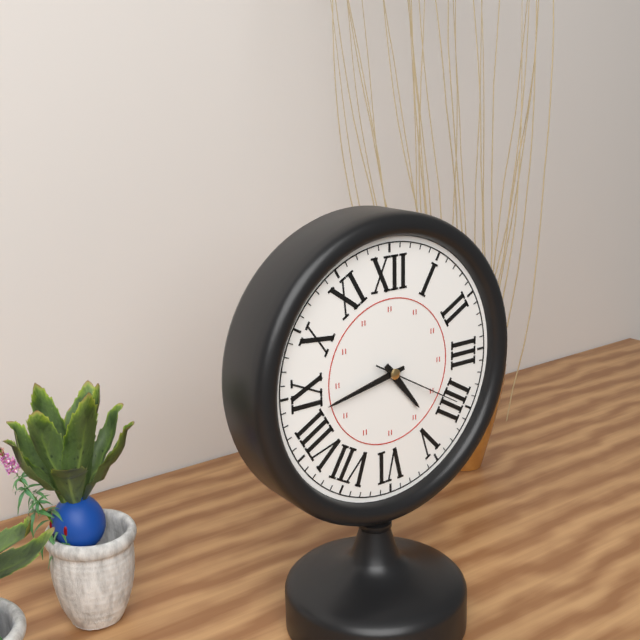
4:43:20
